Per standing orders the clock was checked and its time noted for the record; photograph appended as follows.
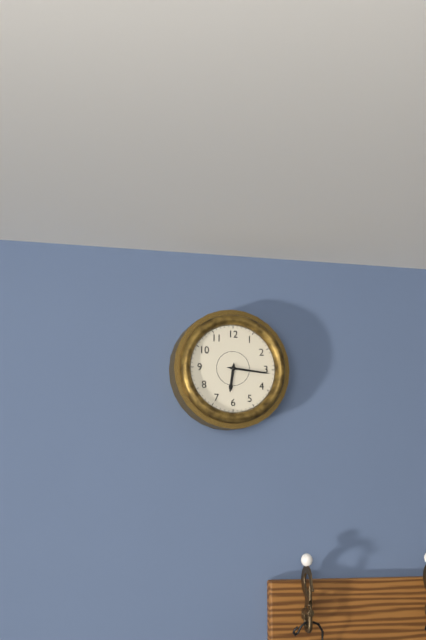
6:16
